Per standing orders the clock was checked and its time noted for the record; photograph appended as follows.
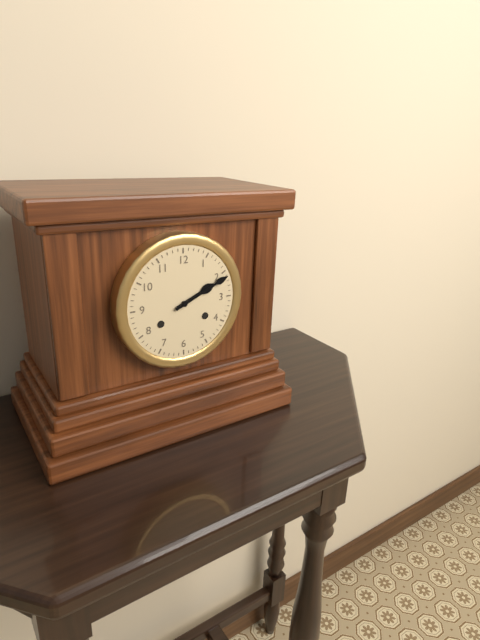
2:11
